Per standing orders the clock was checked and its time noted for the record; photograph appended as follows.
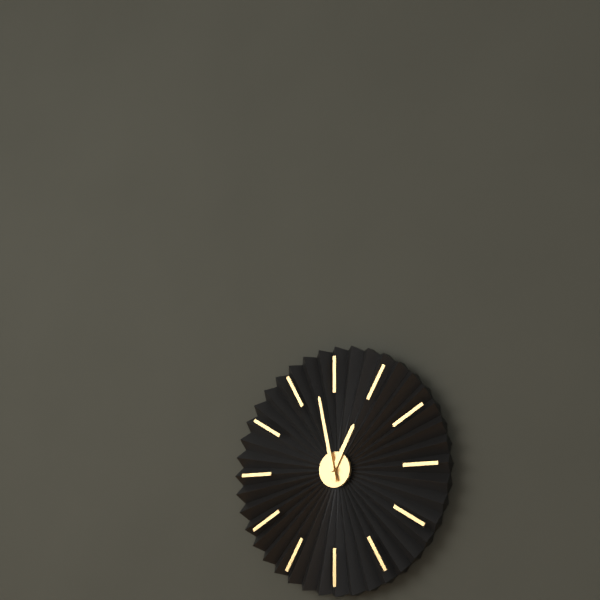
12:58
